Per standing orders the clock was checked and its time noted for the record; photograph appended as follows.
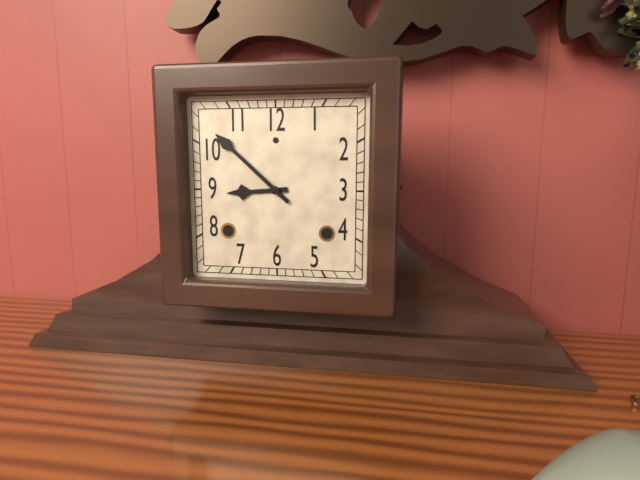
8:52
